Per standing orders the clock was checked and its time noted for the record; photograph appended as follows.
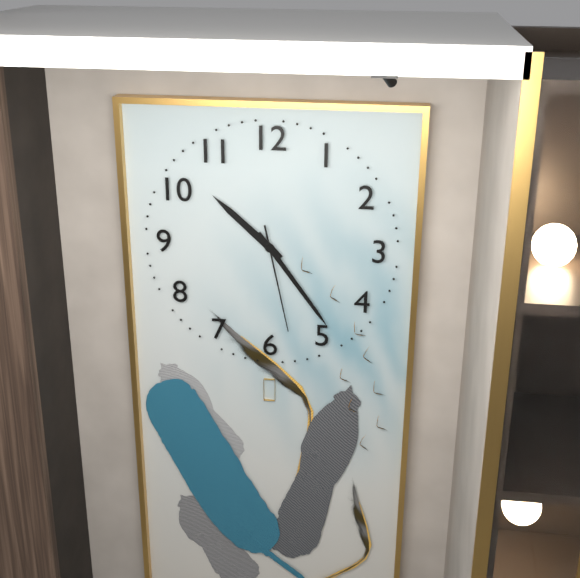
10:24:28
